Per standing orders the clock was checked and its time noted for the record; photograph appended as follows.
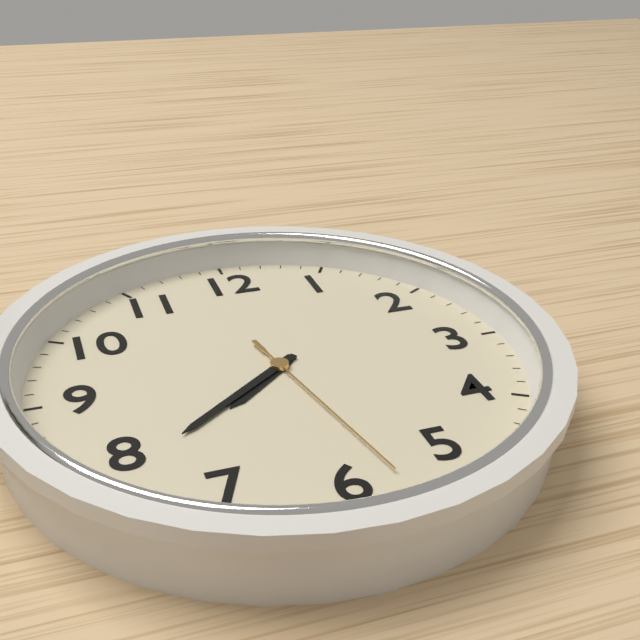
7:39:28
